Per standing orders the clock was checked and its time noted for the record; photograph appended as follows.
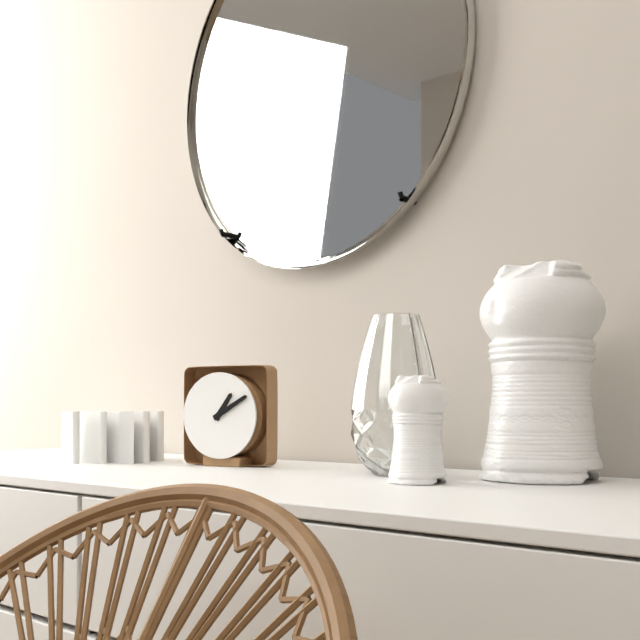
1:10
